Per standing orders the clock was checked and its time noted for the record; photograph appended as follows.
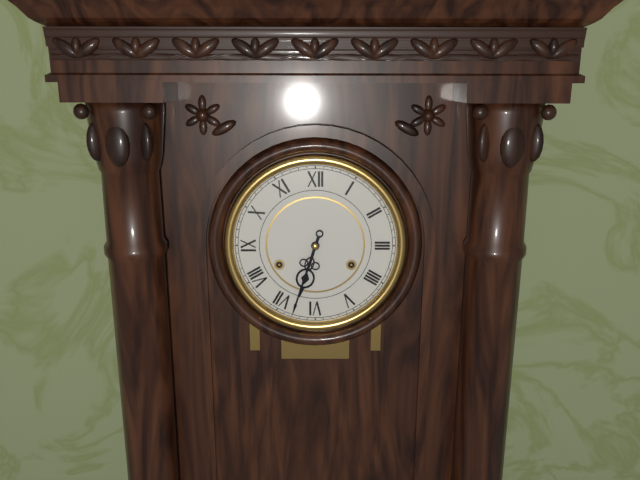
6:33
